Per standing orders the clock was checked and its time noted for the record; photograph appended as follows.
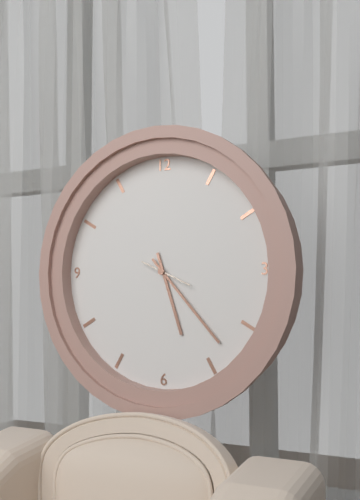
5:23
